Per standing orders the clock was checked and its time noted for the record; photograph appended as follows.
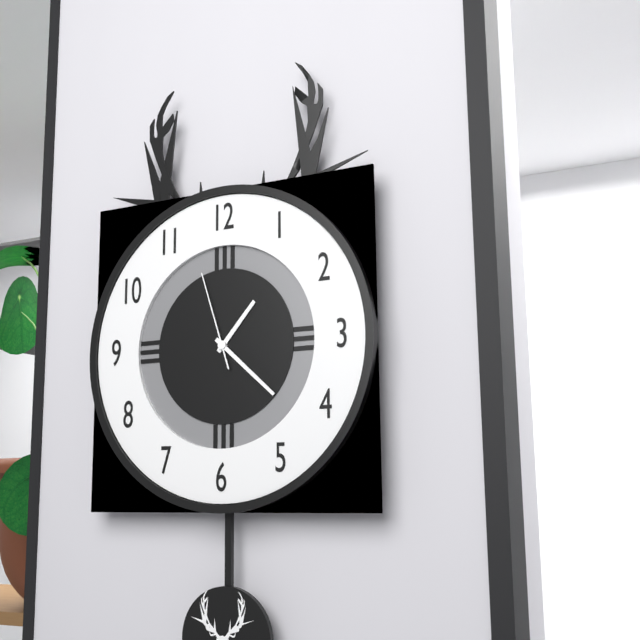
1:22:57
